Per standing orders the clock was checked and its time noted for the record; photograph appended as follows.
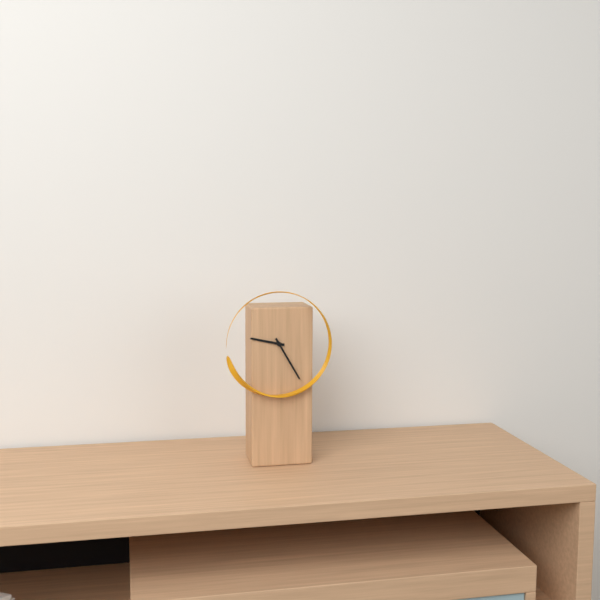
9:25
